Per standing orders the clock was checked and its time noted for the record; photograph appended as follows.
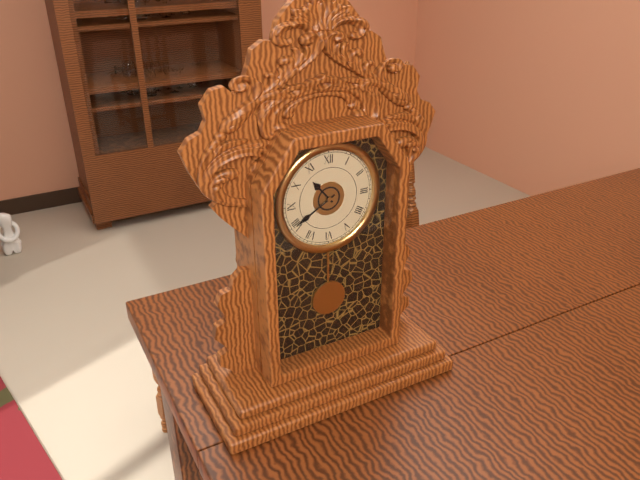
10:40
